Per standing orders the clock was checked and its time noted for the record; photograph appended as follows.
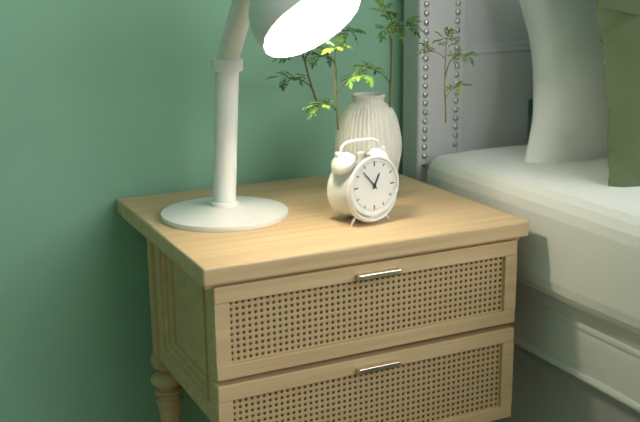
12:53
